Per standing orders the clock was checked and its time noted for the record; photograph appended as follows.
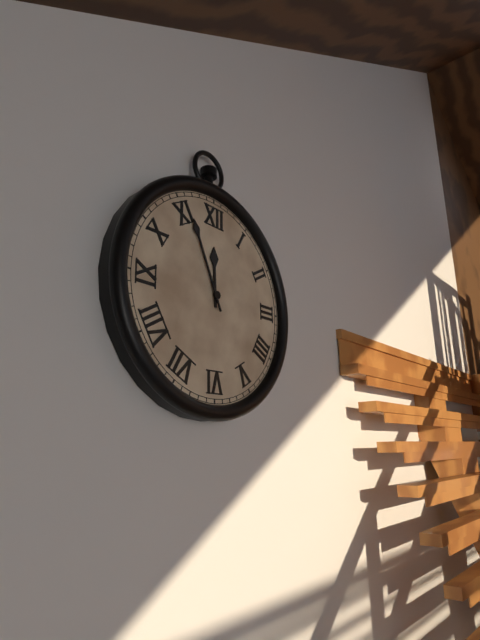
11:56
